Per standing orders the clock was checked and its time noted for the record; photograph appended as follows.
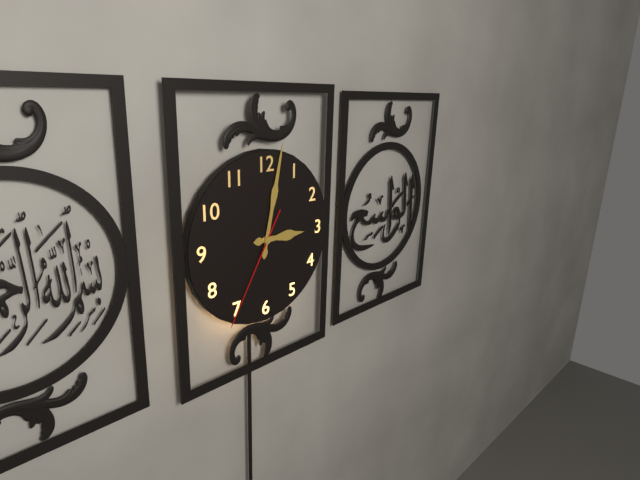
3:02:35
